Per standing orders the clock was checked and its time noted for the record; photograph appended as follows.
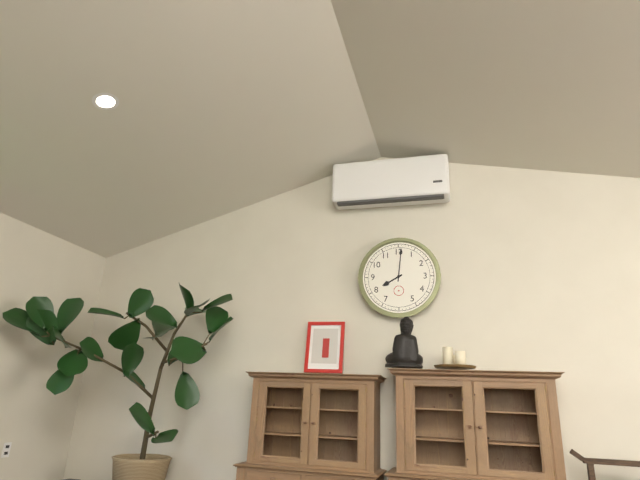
8:01
